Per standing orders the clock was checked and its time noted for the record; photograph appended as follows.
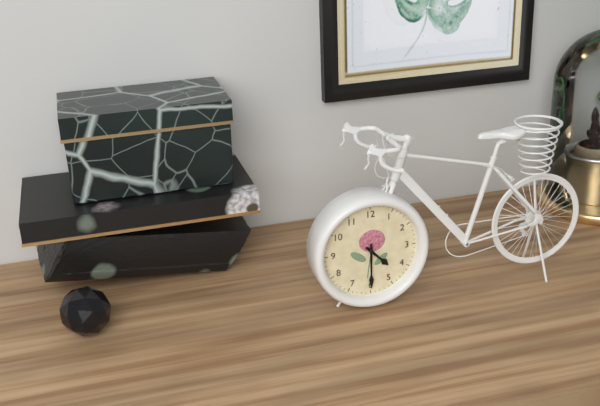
4:30
